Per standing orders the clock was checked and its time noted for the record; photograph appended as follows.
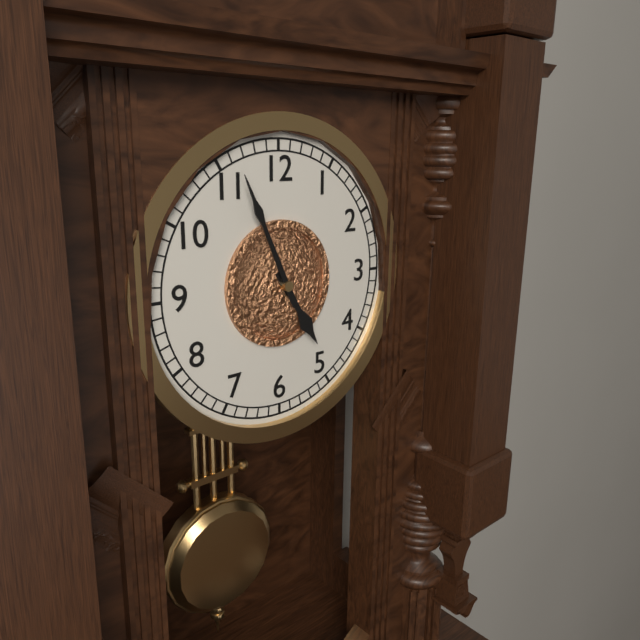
4:56
